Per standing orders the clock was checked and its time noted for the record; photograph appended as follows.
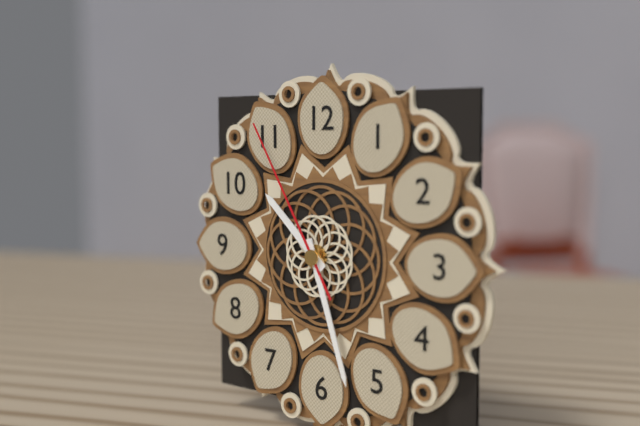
10:27:55
